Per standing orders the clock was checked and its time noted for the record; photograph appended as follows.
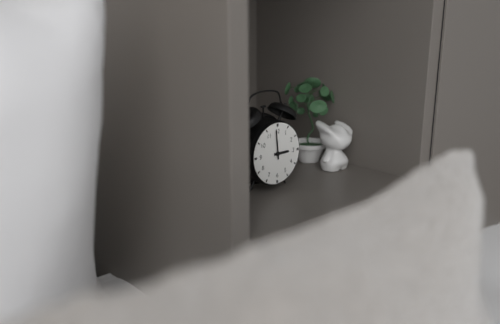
2:59
